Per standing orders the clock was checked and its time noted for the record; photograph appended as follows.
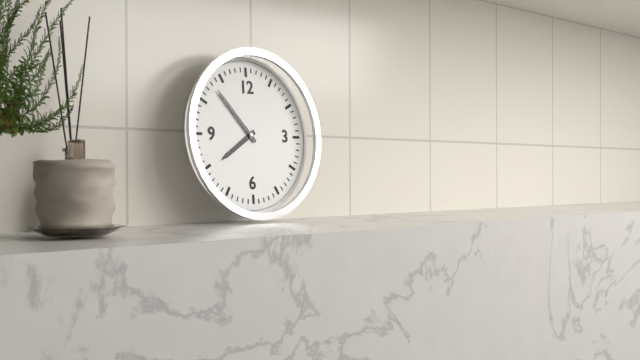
7:53
